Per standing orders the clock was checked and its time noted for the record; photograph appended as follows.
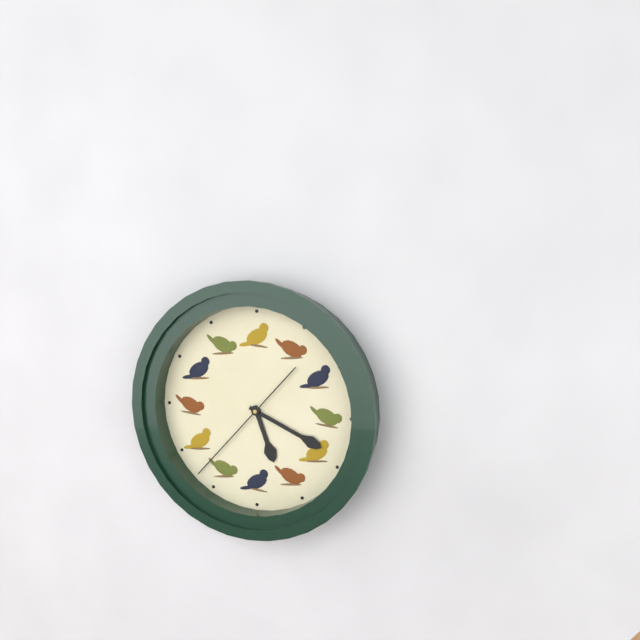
5:19:37
